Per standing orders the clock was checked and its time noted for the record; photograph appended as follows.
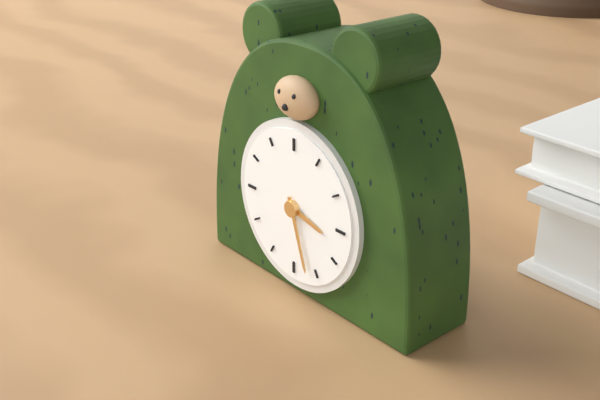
3:27
